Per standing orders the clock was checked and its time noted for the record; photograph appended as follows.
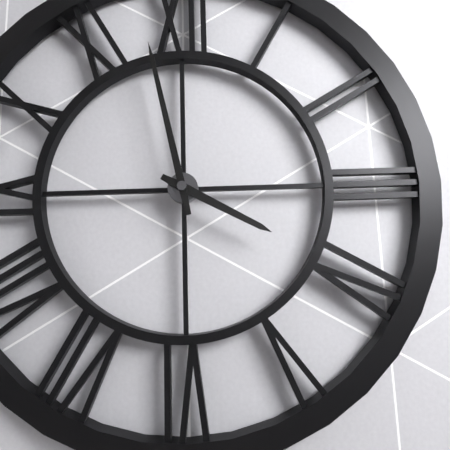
3:58
